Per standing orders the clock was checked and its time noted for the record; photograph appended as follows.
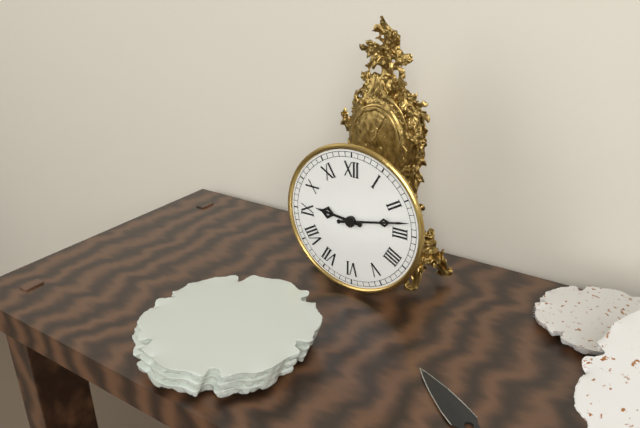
9:13
